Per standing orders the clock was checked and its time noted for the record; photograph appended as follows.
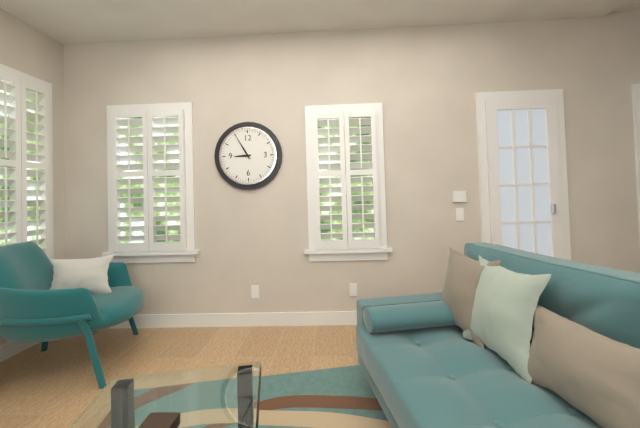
8:55
